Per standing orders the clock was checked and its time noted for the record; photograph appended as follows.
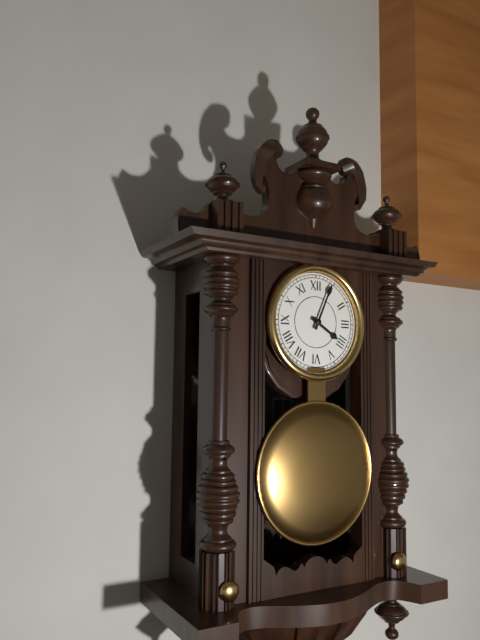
4:04
